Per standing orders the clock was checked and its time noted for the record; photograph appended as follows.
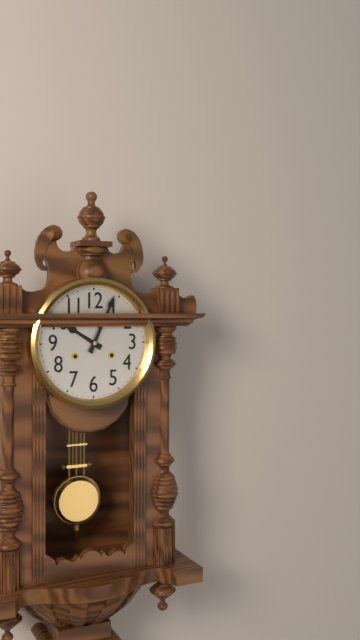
10:04
